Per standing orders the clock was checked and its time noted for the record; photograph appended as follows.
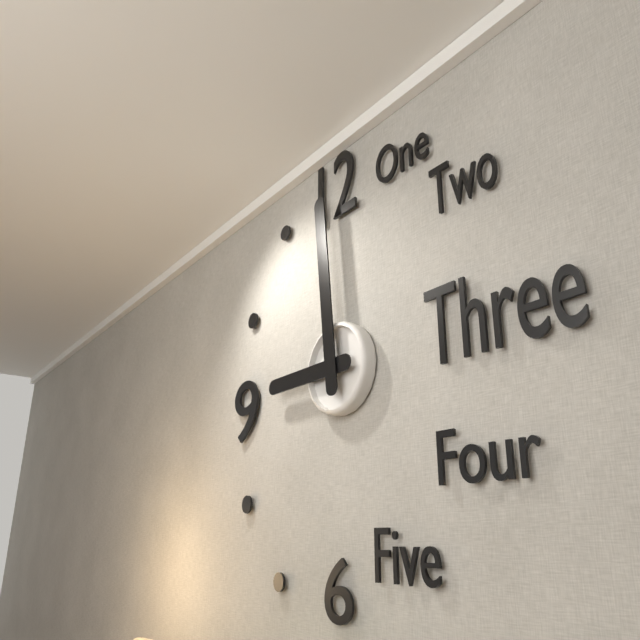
8:59
